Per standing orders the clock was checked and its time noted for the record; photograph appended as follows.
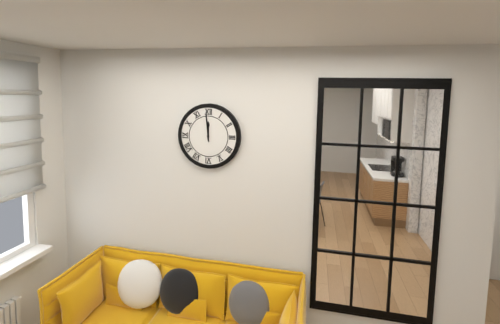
11:59
